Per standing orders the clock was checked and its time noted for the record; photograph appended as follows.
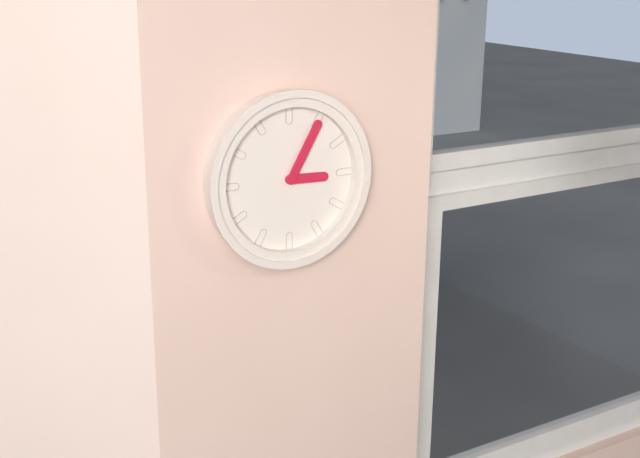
3:05
